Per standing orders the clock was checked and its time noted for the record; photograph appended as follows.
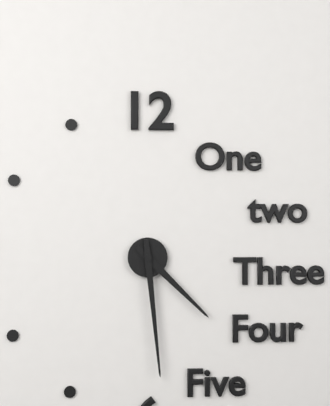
4:29
